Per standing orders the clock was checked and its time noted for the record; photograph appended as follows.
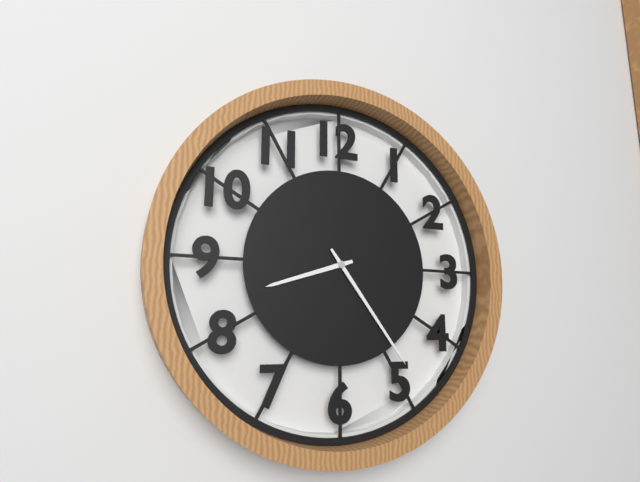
8:24
